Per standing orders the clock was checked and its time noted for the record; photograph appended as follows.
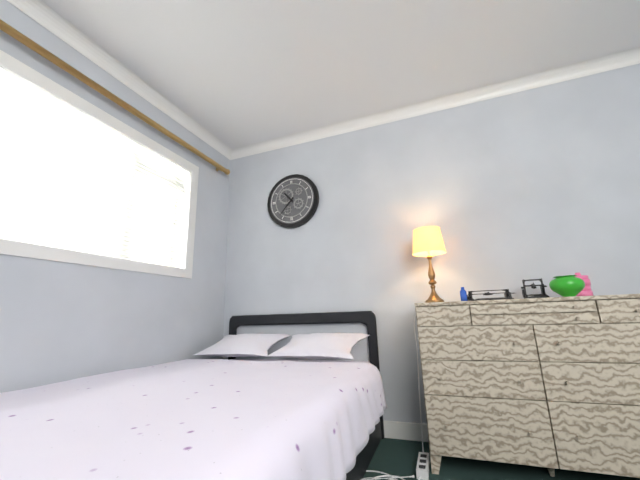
10:37
